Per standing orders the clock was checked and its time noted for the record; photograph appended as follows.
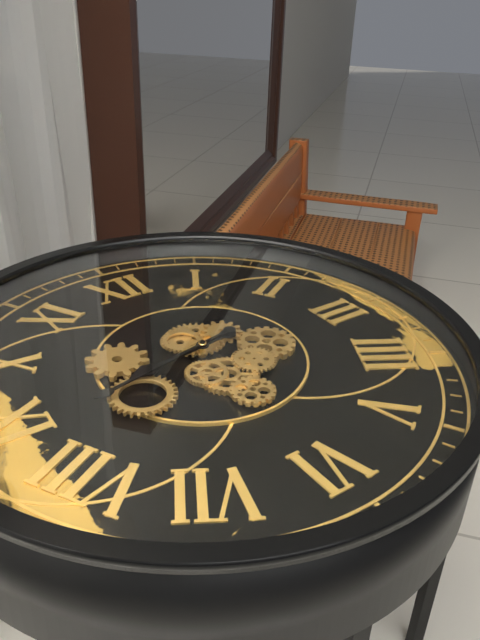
8:43
